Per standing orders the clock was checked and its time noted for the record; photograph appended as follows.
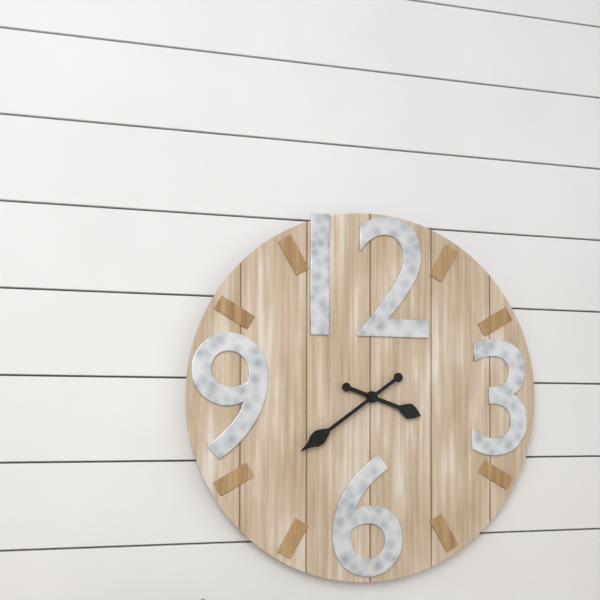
3:39
